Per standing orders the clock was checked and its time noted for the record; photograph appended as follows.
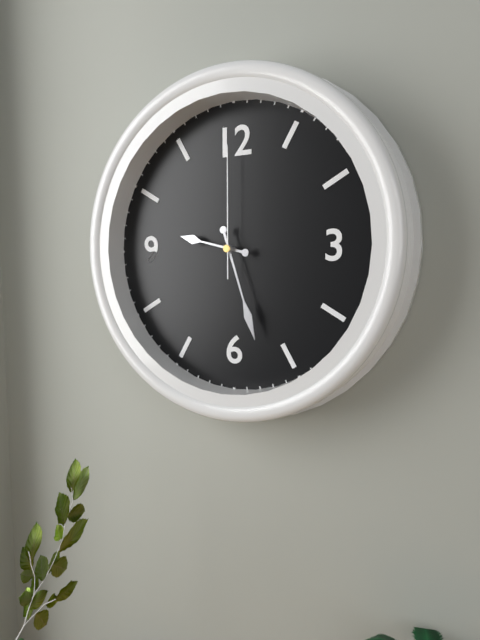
9:27:00
